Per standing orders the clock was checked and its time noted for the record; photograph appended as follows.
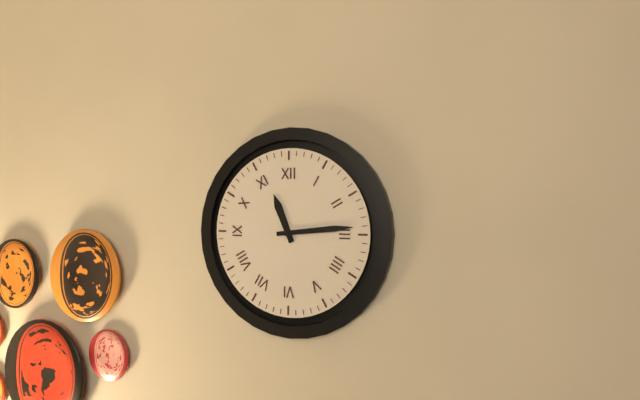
11:14
